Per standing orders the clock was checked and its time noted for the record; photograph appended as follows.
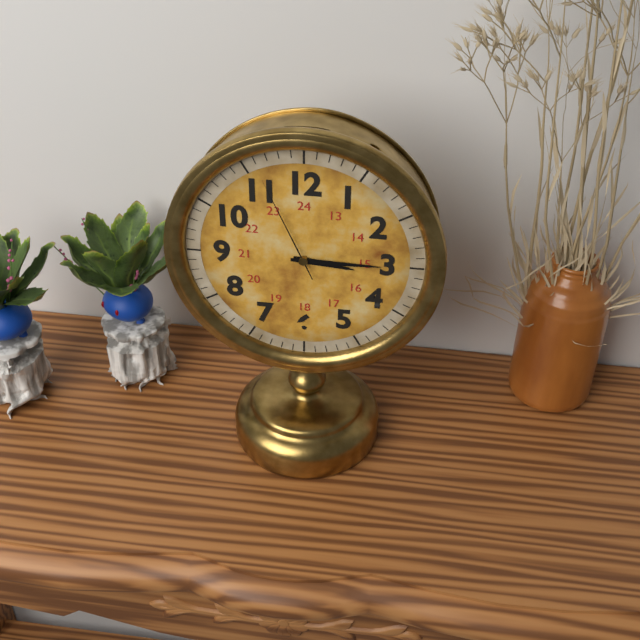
3:15:56
